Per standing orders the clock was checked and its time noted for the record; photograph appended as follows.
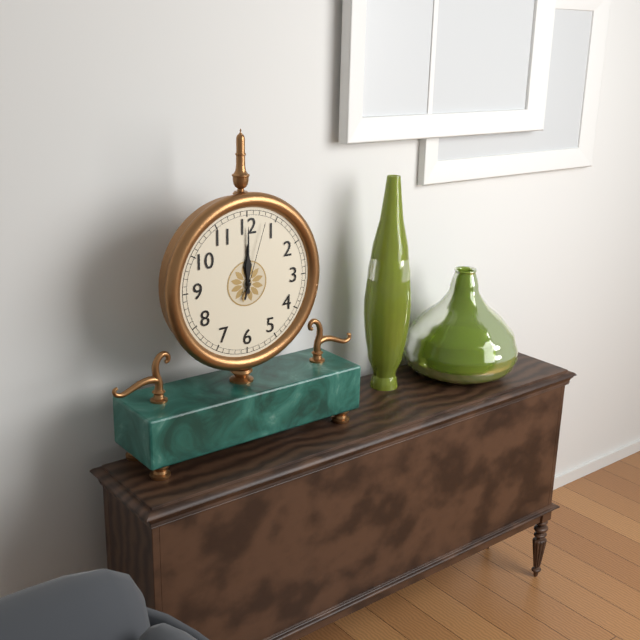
12:00:03
